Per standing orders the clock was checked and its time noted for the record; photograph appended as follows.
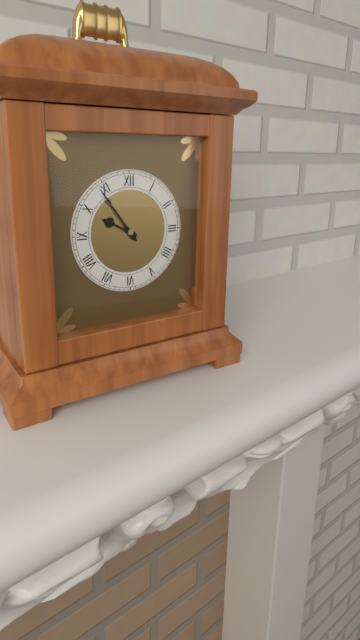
9:54
